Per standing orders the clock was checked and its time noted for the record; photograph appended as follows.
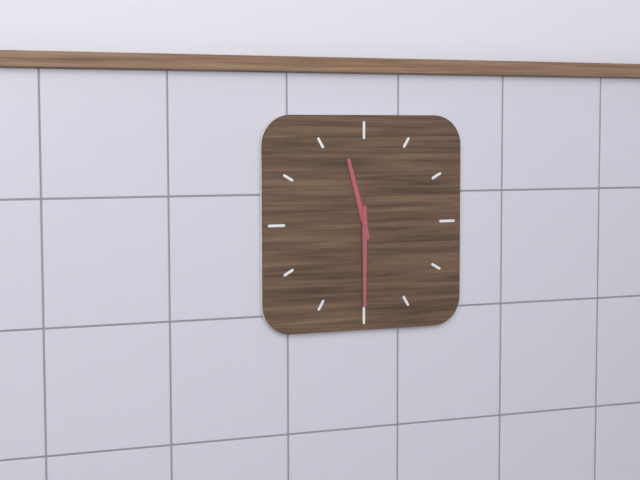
11:30
